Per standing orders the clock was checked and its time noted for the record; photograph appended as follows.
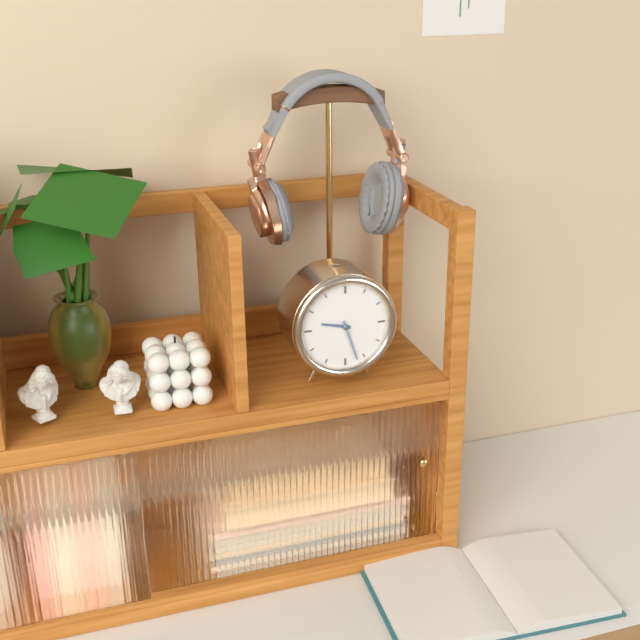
9:27
